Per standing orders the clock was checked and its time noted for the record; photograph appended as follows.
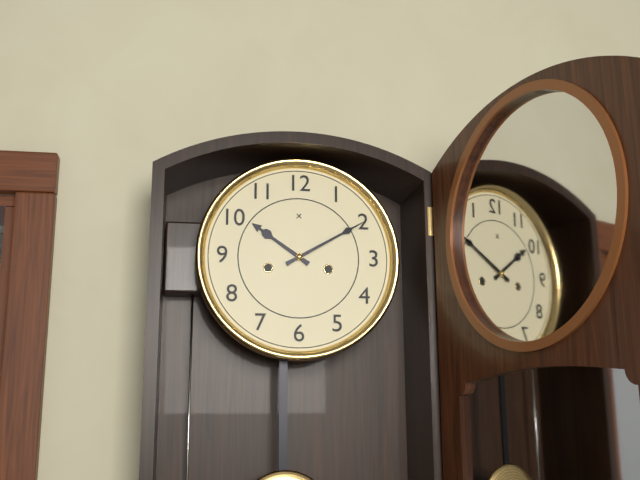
10:10
